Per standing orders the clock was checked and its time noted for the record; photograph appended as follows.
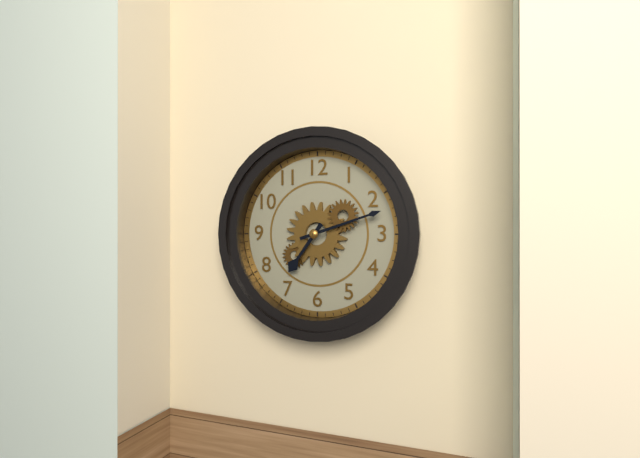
7:12
